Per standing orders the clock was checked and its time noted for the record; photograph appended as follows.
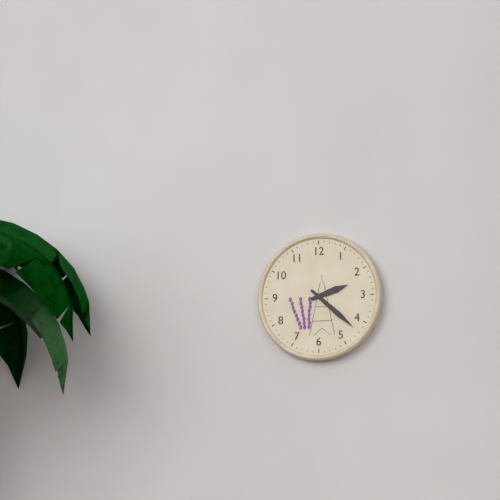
2:22
